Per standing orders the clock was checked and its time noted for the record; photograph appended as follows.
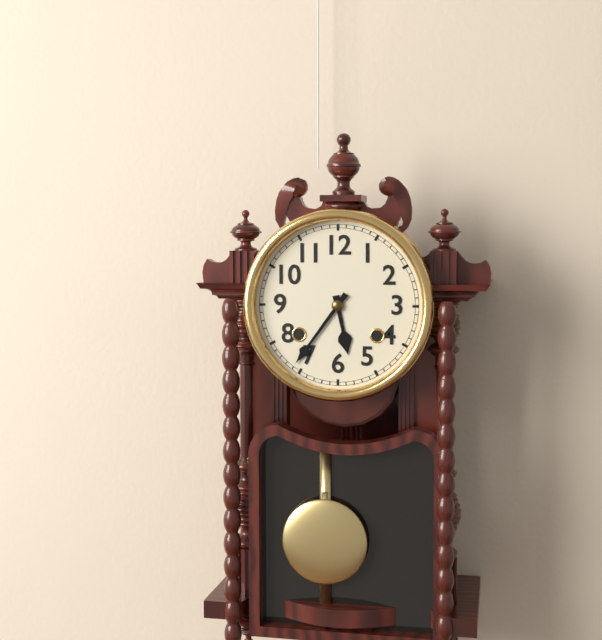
5:36
